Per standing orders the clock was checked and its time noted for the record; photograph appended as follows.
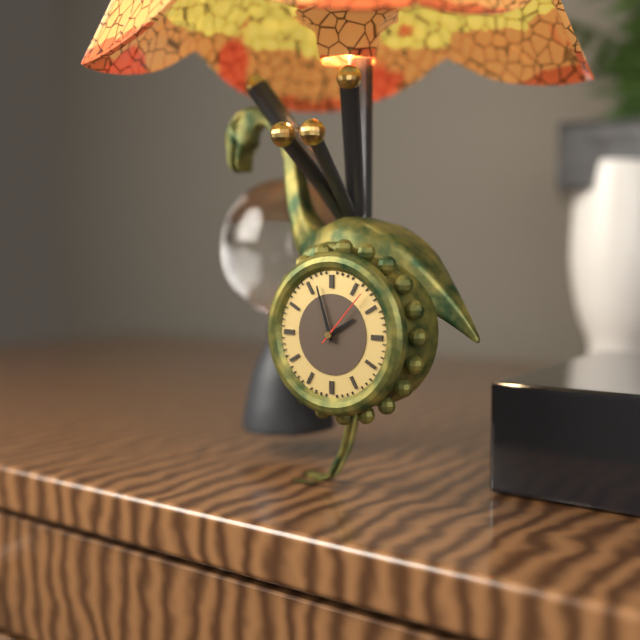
1:57:07
